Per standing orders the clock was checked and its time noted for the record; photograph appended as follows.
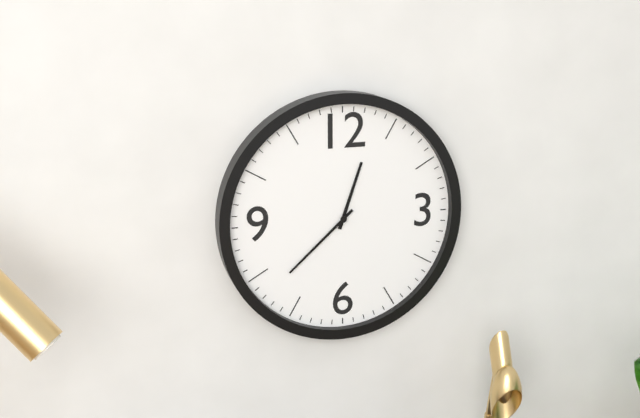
12:38
